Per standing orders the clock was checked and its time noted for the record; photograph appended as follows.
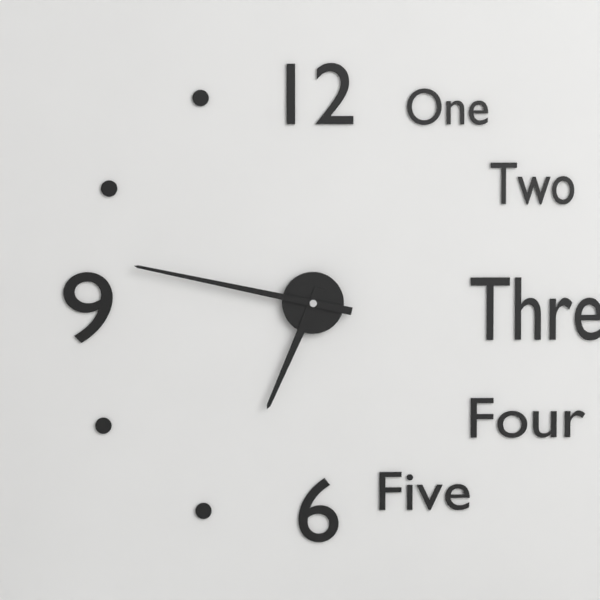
6:47
